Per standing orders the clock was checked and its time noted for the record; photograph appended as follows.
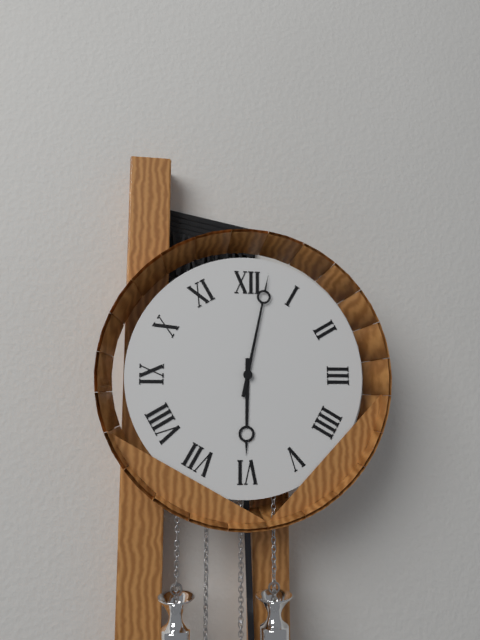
6:02
